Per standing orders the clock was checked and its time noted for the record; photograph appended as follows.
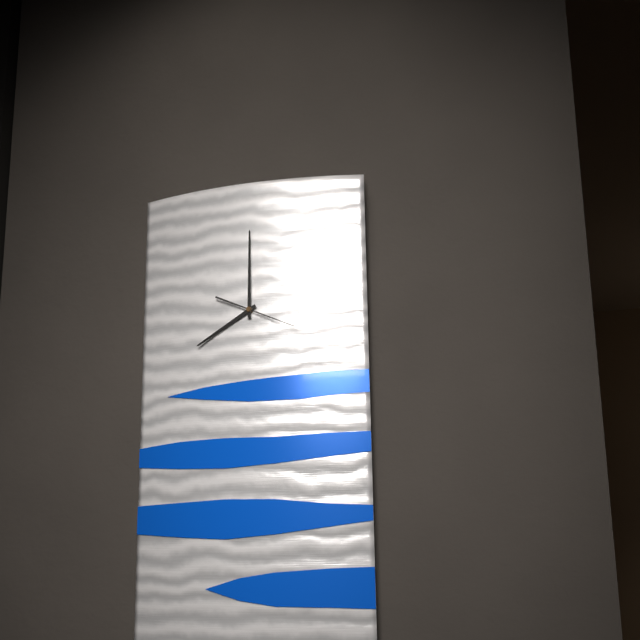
8:00
